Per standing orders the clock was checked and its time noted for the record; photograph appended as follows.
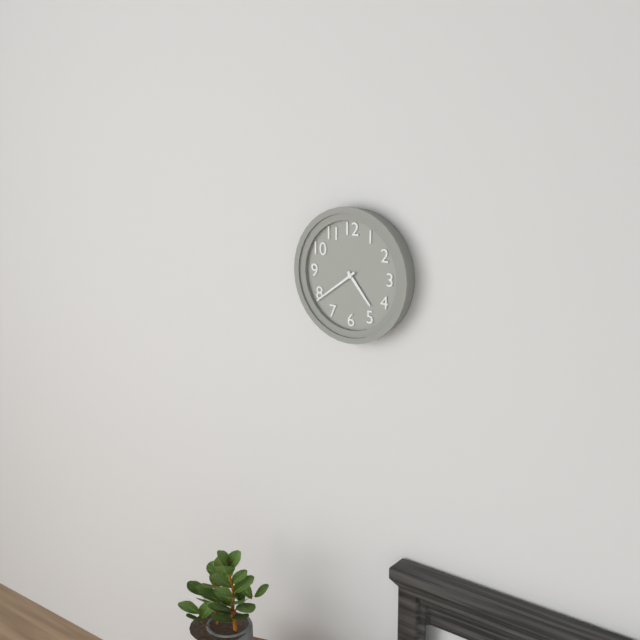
4:39
